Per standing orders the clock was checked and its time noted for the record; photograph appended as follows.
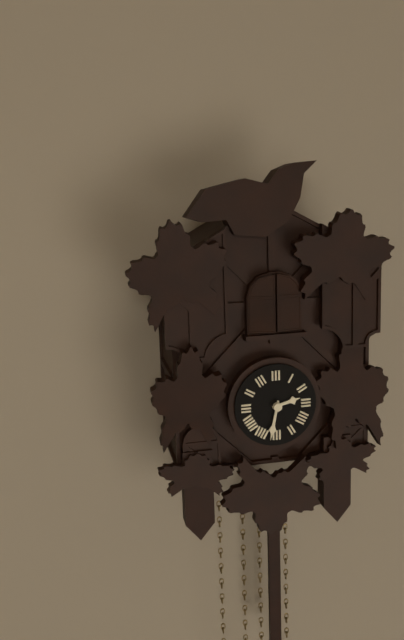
2:32
